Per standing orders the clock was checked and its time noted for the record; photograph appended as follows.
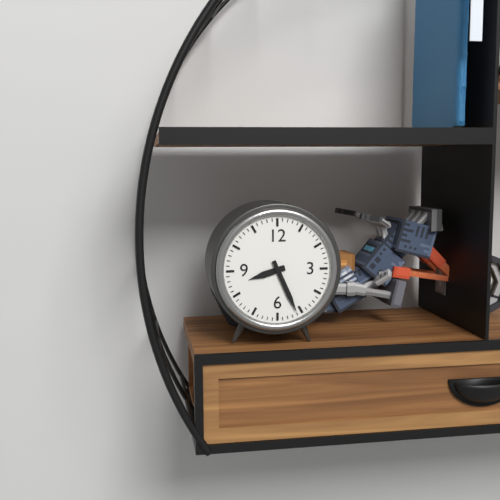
8:26
